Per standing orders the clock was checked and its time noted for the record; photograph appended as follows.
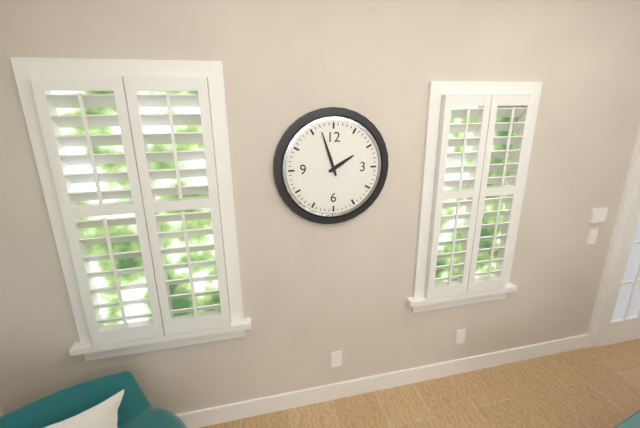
1:57
